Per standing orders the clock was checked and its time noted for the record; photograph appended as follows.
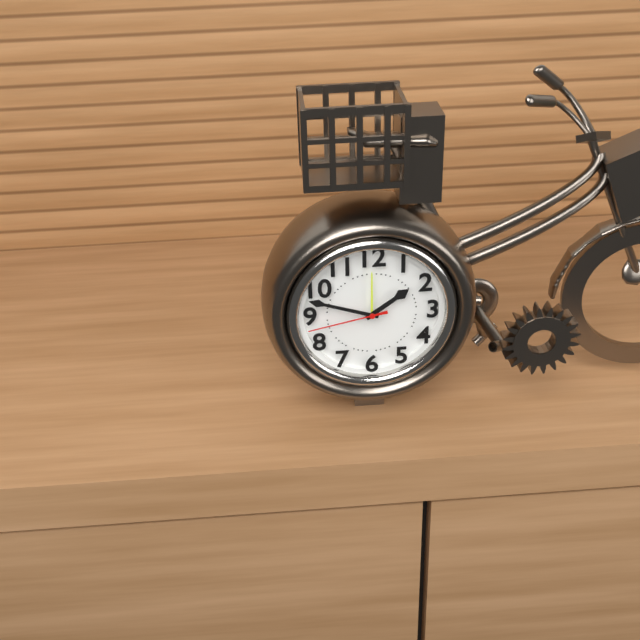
1:48:43
